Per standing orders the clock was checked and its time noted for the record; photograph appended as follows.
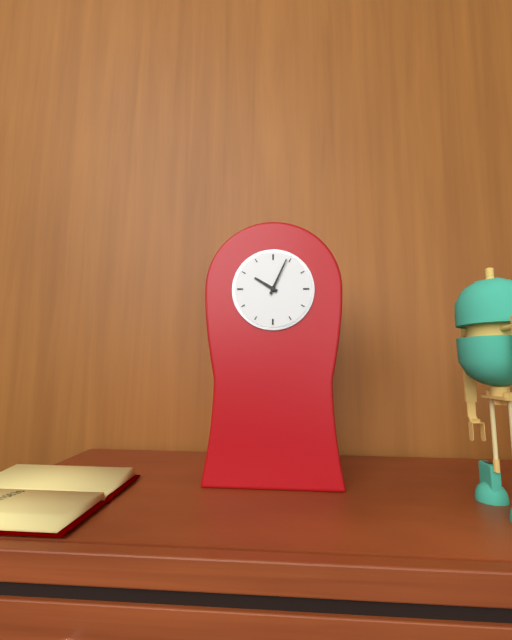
10:04
